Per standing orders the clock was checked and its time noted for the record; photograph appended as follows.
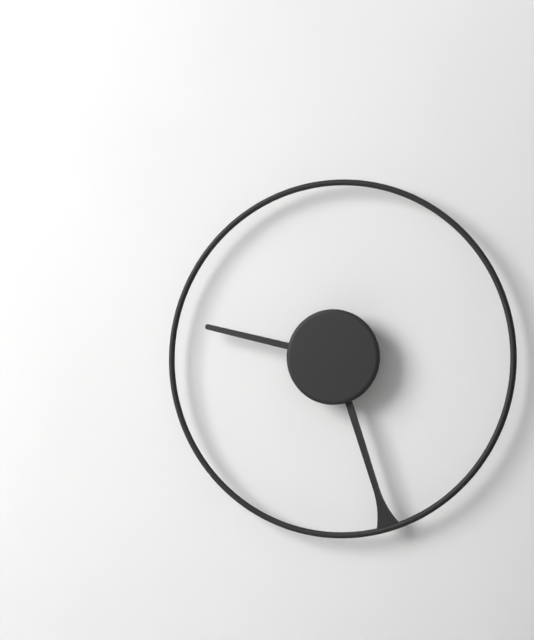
9:27
